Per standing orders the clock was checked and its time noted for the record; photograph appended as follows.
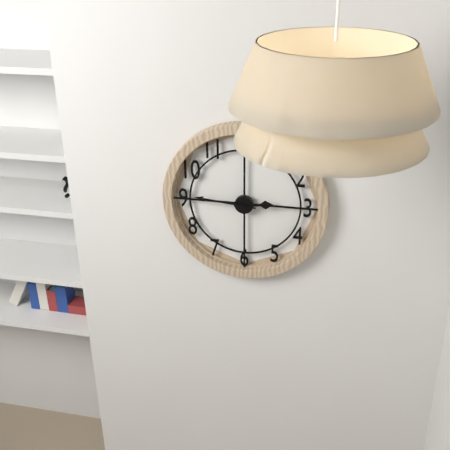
2:46
